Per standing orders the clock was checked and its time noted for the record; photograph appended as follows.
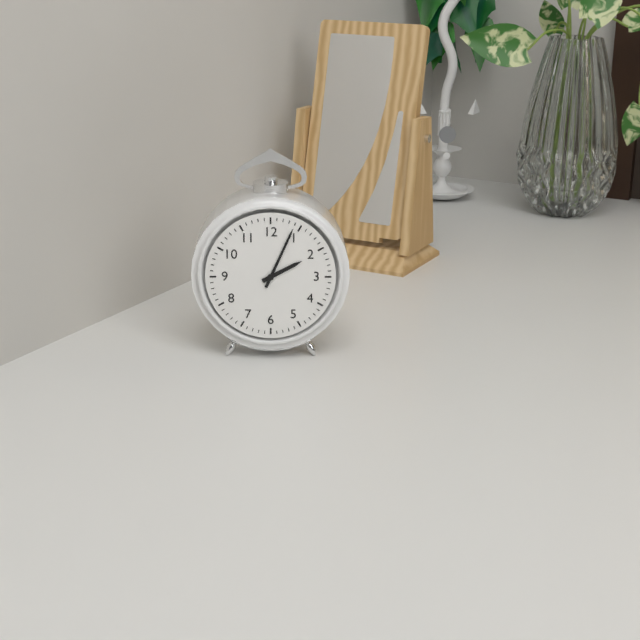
2:04
